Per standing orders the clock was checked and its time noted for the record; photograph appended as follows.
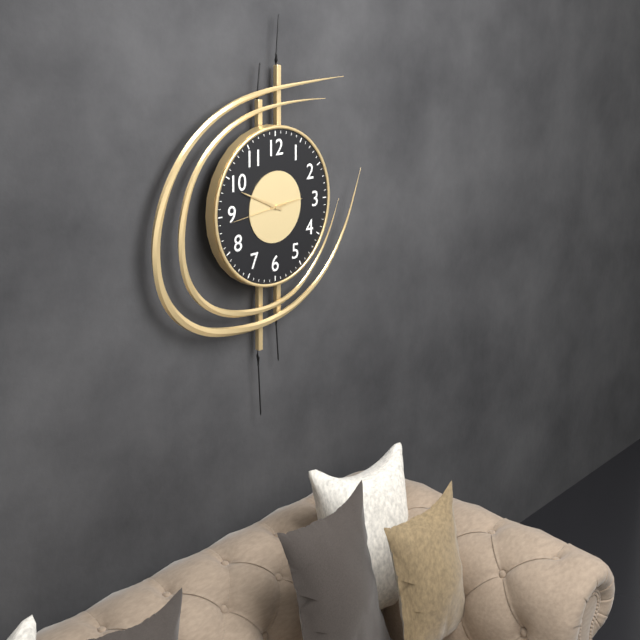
2:49:44
